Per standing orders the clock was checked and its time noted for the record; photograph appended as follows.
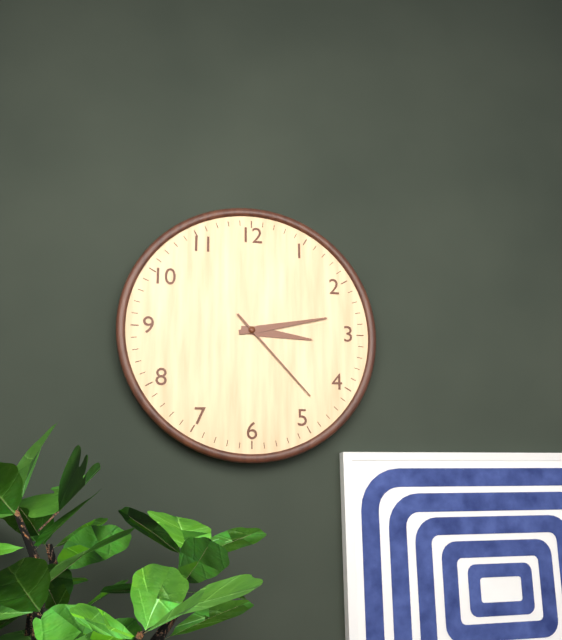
3:13:23
